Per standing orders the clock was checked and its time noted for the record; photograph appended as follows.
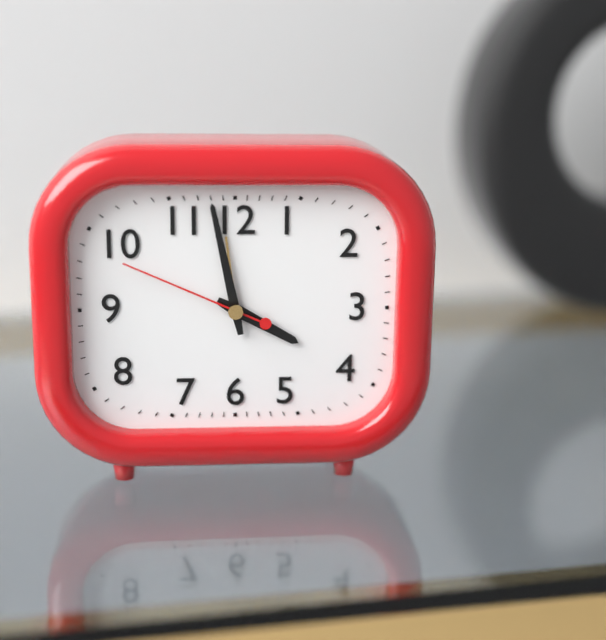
3:58:49
